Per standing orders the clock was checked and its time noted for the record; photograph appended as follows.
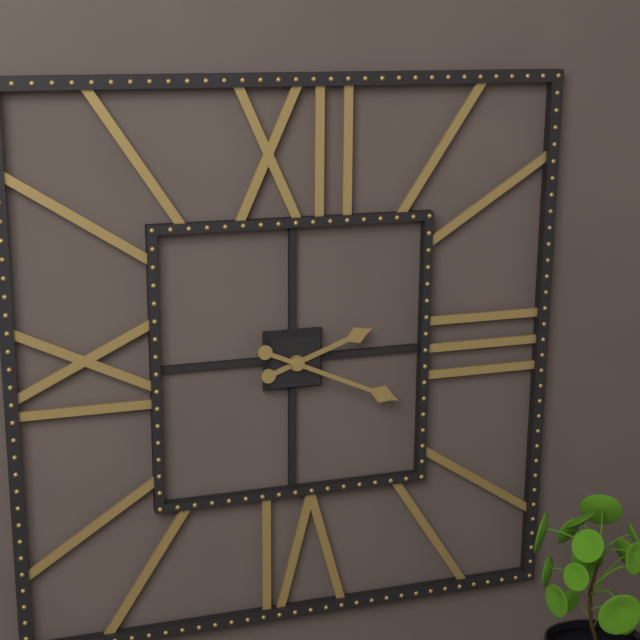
2:19
